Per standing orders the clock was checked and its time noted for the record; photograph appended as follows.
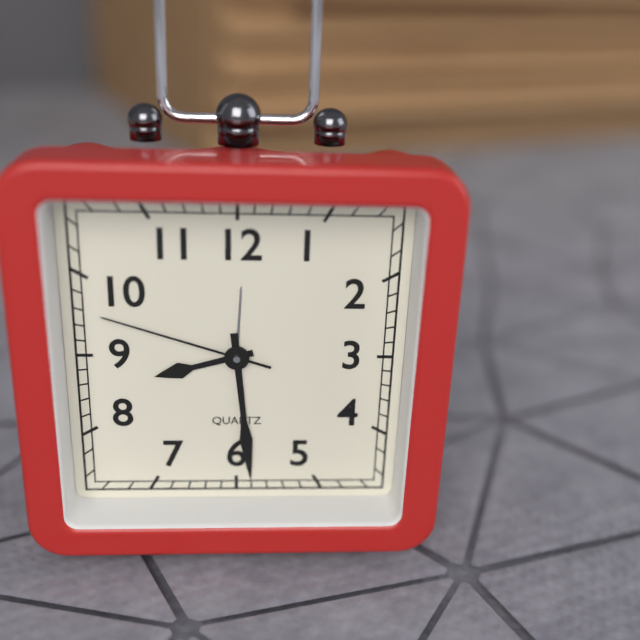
8:29:48
